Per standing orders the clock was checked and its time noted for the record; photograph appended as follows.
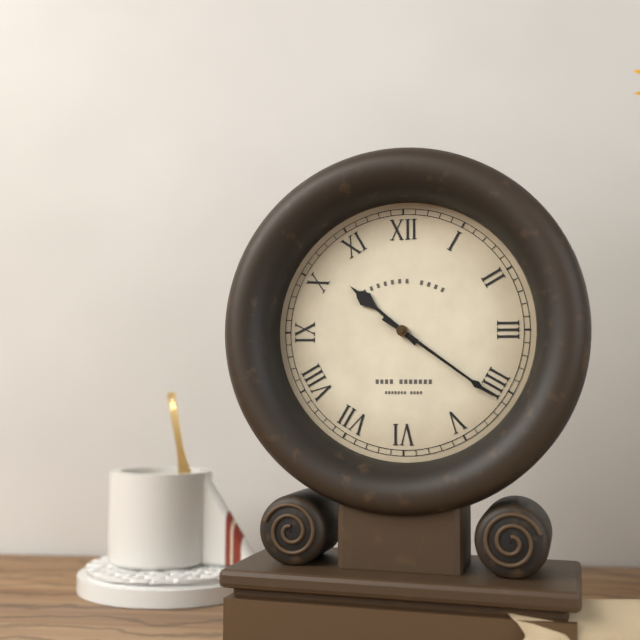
10:21
